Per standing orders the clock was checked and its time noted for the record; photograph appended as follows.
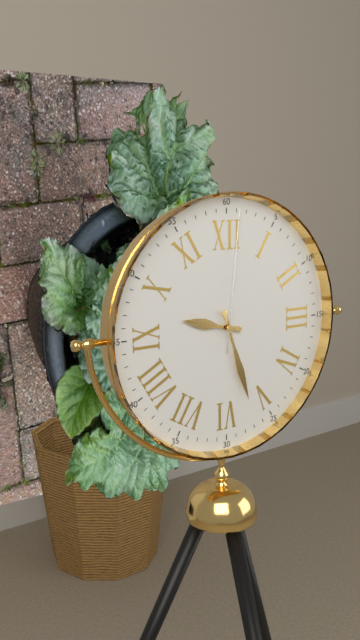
9:27:01
